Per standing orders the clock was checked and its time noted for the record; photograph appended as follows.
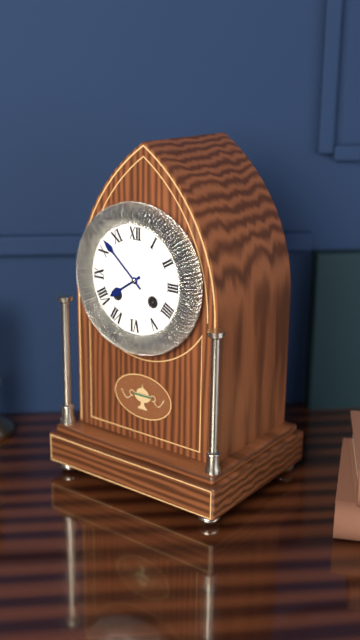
7:52
